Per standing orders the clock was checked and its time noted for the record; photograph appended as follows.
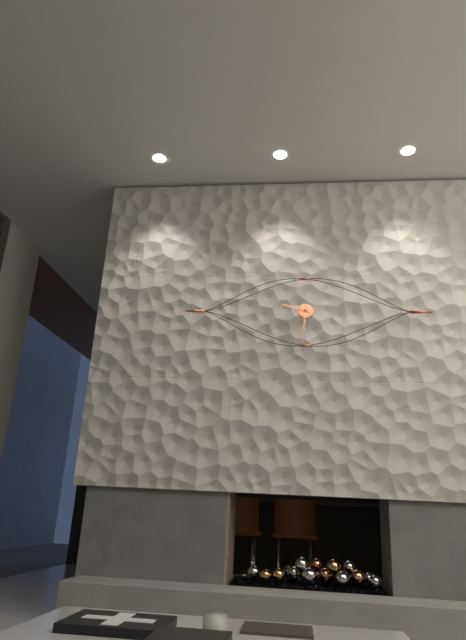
9:31
